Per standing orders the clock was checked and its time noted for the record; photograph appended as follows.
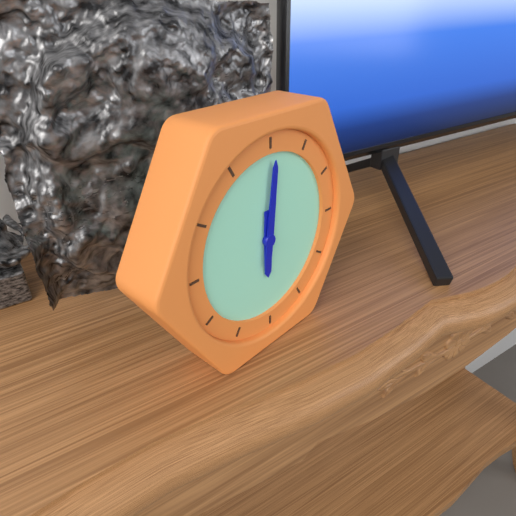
6:01
